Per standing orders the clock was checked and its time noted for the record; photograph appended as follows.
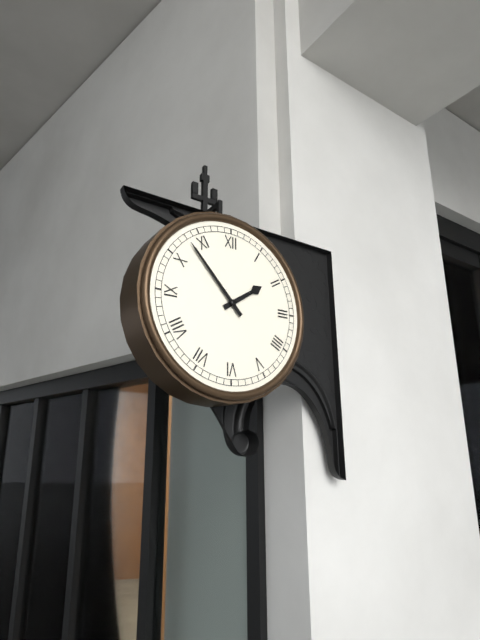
1:53
